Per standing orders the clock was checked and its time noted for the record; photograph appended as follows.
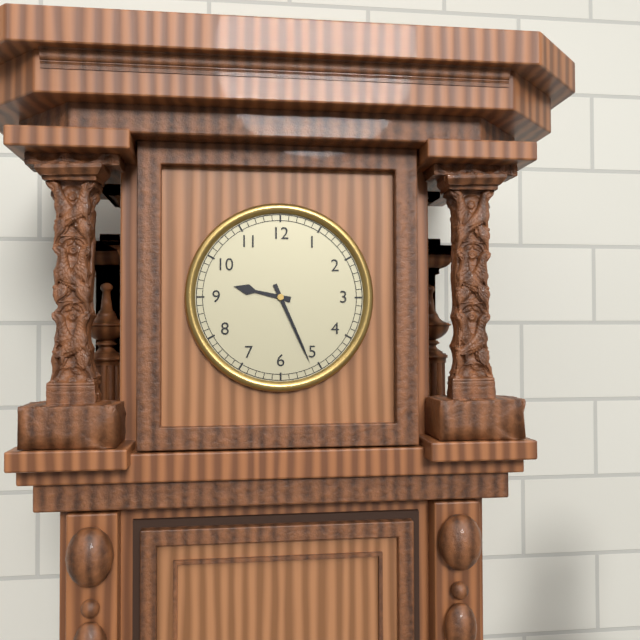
9:26
